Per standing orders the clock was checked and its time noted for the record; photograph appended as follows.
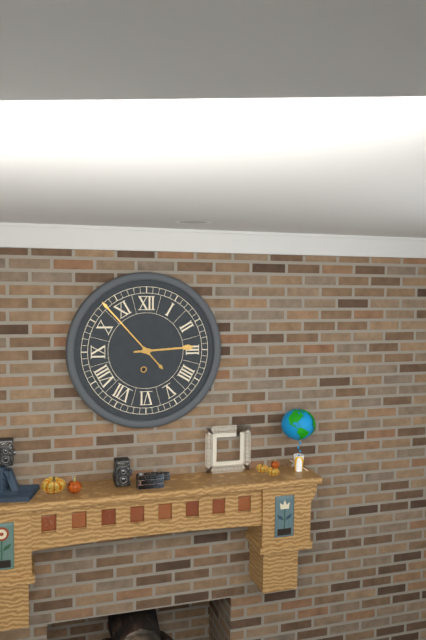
2:53
